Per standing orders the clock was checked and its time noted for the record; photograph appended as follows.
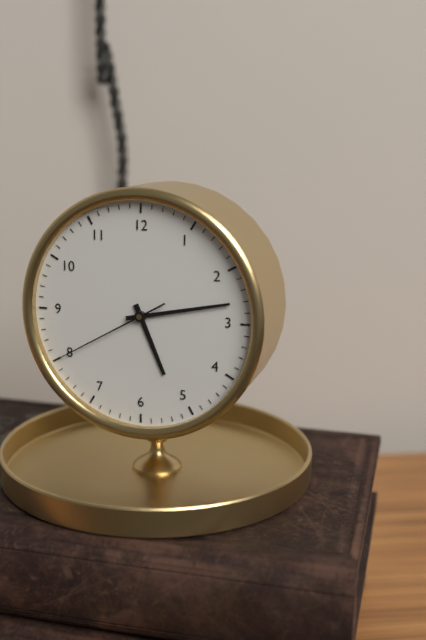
5:13:40
